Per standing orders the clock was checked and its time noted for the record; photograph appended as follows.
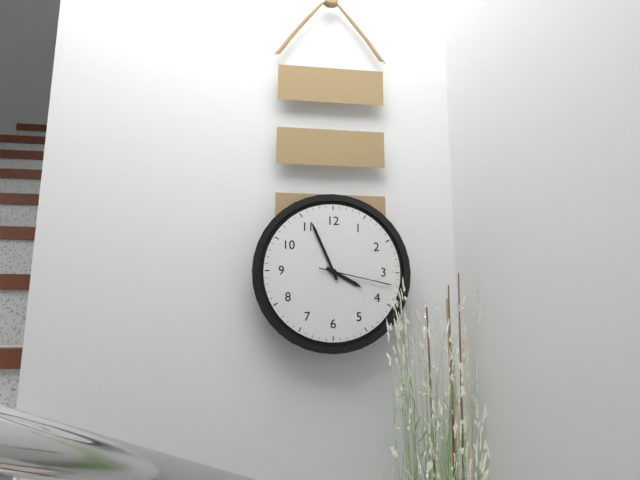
3:56:17
